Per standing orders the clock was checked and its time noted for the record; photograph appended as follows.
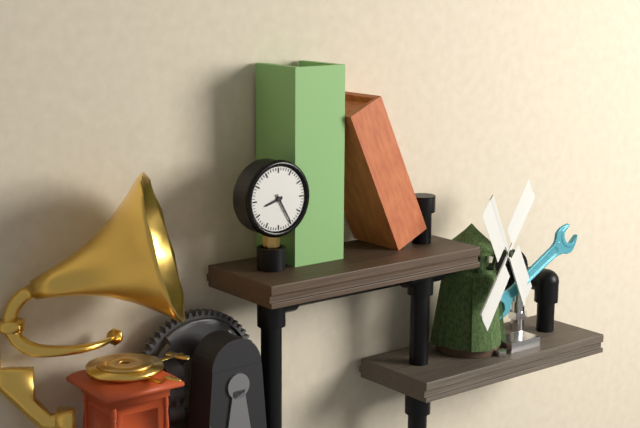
8:25
